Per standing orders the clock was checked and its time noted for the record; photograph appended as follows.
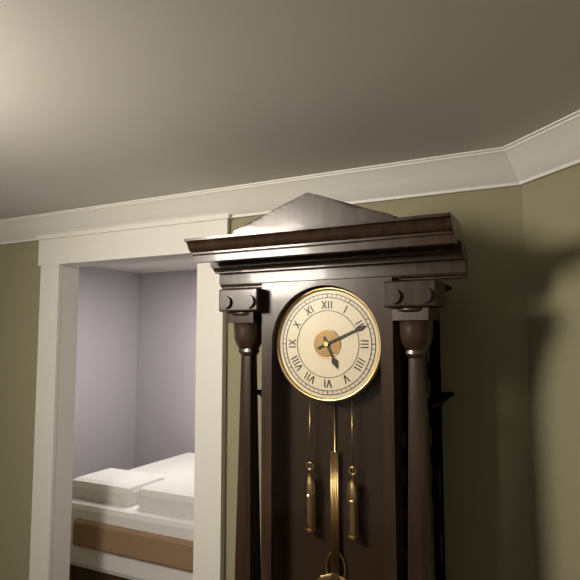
5:11
